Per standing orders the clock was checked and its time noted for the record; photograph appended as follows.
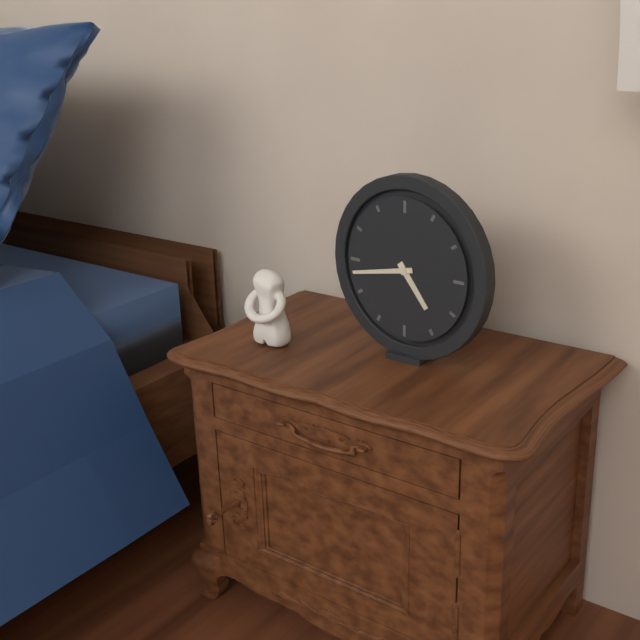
4:43
